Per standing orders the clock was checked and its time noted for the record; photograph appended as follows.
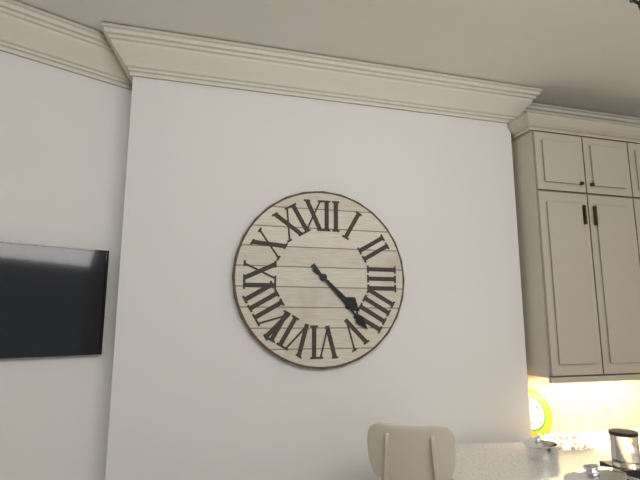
4:23
